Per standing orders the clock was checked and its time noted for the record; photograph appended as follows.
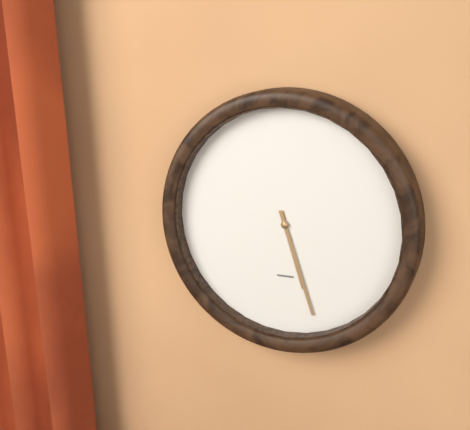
5:27
